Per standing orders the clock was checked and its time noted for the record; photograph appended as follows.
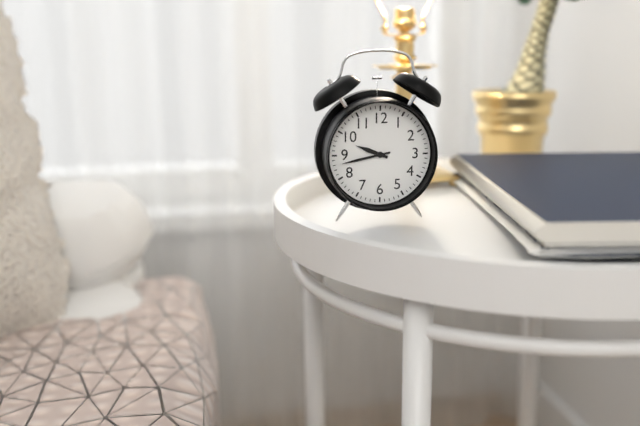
9:43
